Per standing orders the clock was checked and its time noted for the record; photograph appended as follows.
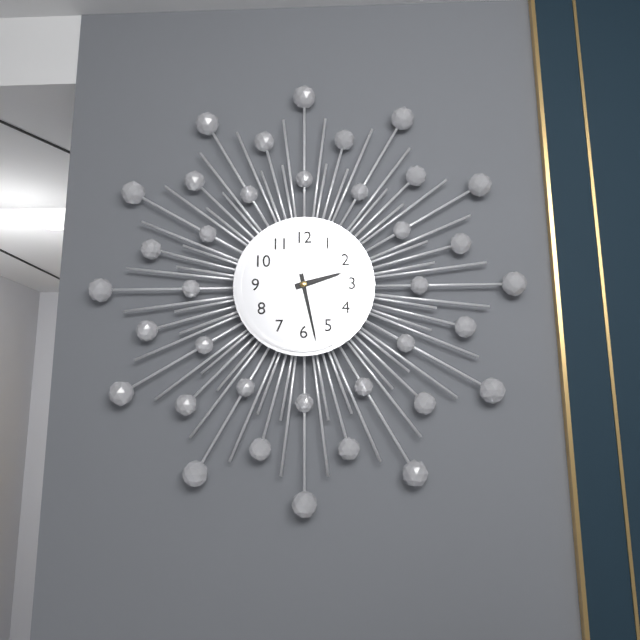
2:28
